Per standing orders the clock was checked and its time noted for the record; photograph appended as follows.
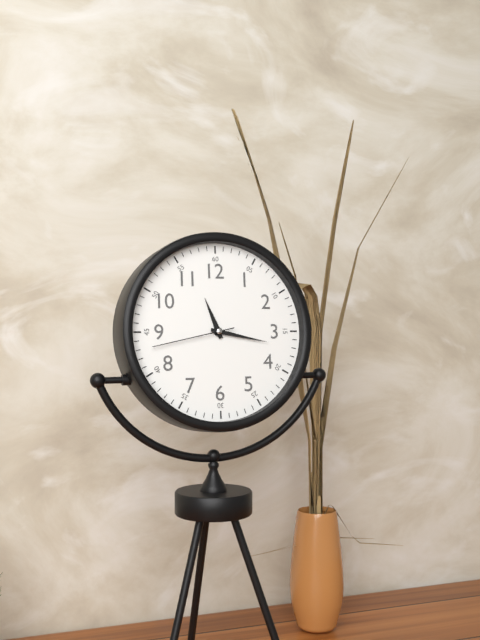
11:17:43
